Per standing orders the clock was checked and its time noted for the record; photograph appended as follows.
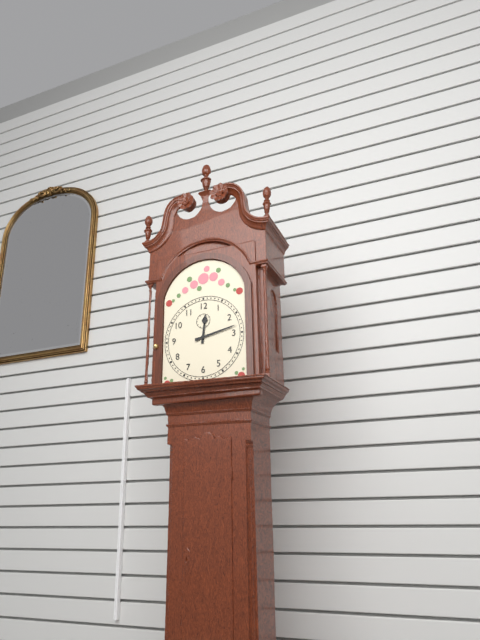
12:13
